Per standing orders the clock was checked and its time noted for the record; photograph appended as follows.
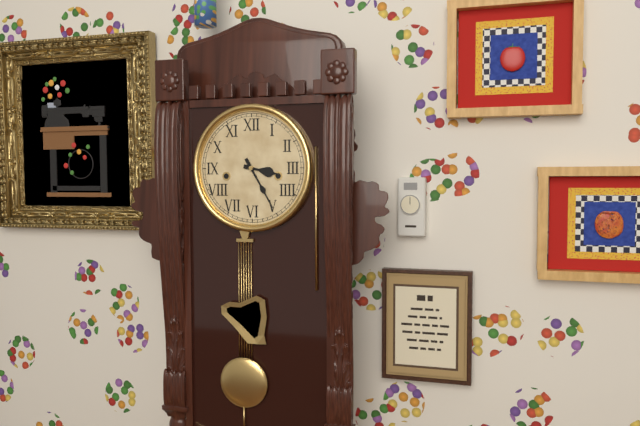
3:25
